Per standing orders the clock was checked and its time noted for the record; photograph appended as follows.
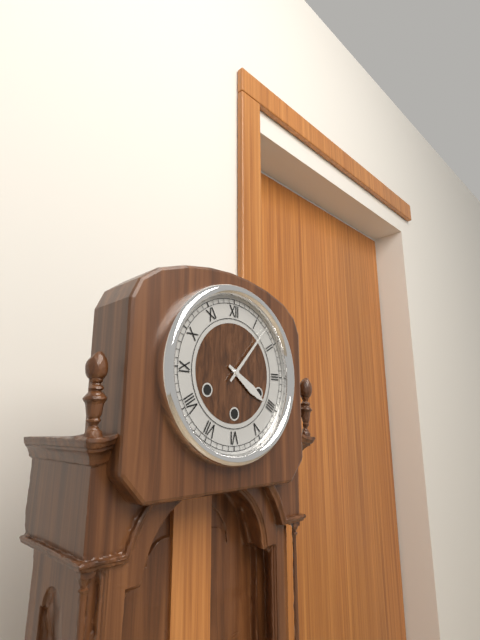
4:07
